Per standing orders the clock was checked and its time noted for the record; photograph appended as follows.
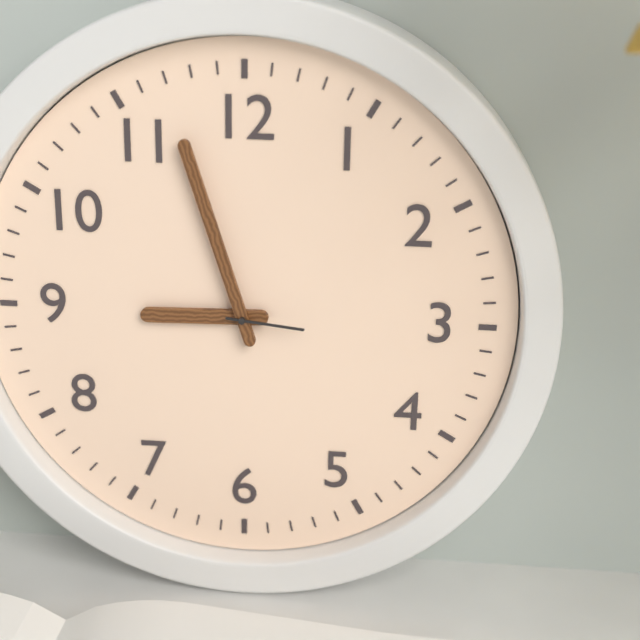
8:57:16
